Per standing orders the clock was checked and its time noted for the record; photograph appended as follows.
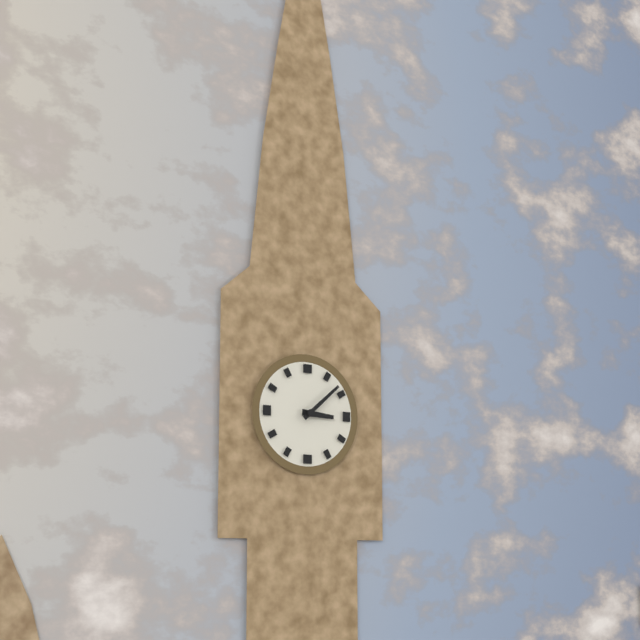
3:08
